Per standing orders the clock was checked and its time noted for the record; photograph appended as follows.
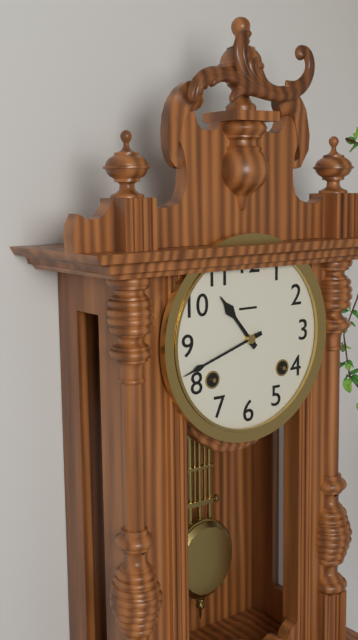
10:42
